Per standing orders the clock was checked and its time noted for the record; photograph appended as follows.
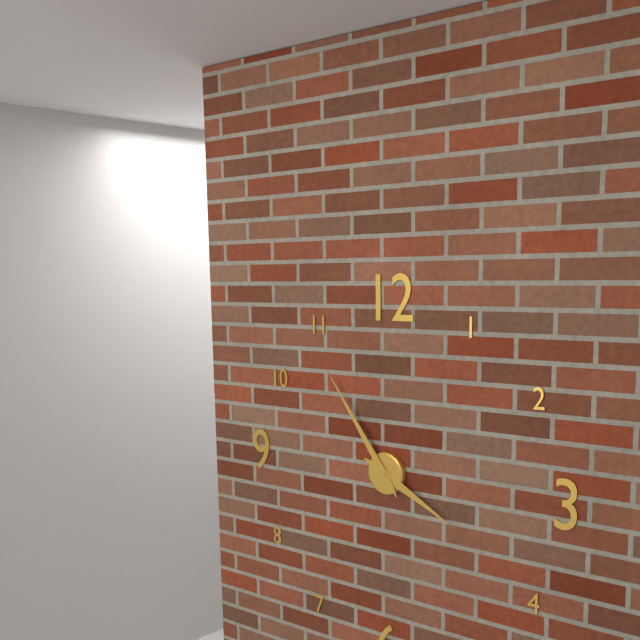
3:54
